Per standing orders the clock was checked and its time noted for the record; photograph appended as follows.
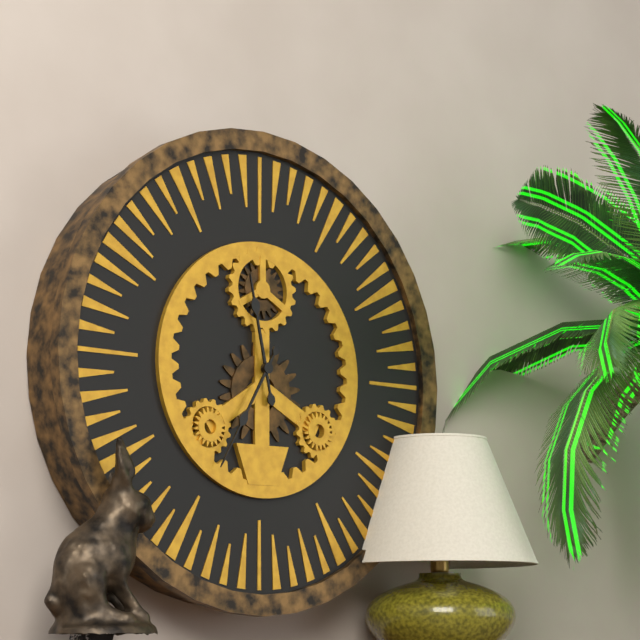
11:35
